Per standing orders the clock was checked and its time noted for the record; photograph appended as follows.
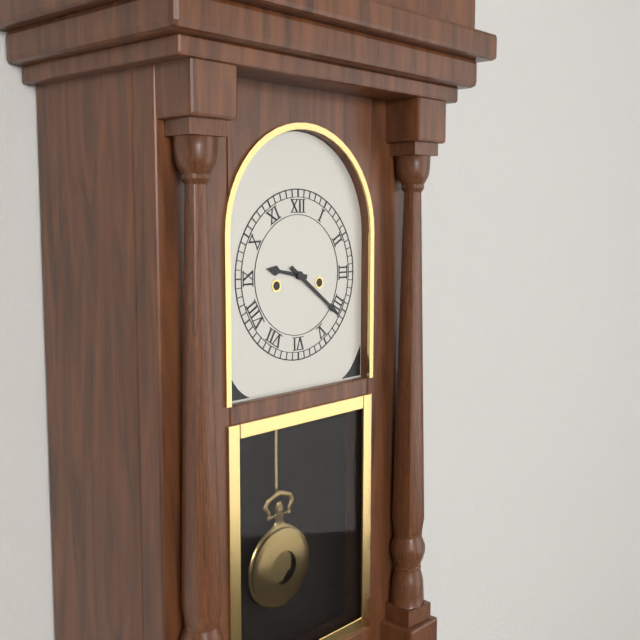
9:21
